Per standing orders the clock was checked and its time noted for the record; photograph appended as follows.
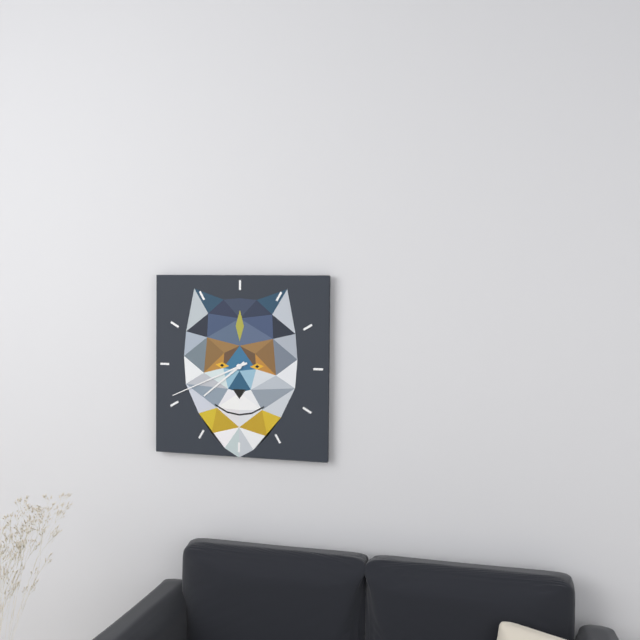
7:41
